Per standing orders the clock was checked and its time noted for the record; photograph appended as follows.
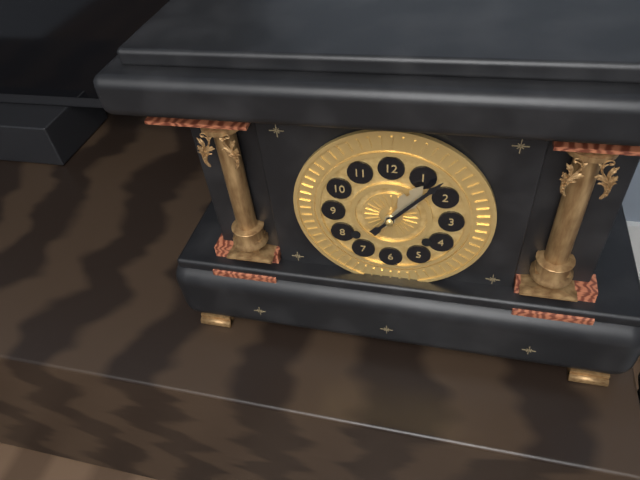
1:07
